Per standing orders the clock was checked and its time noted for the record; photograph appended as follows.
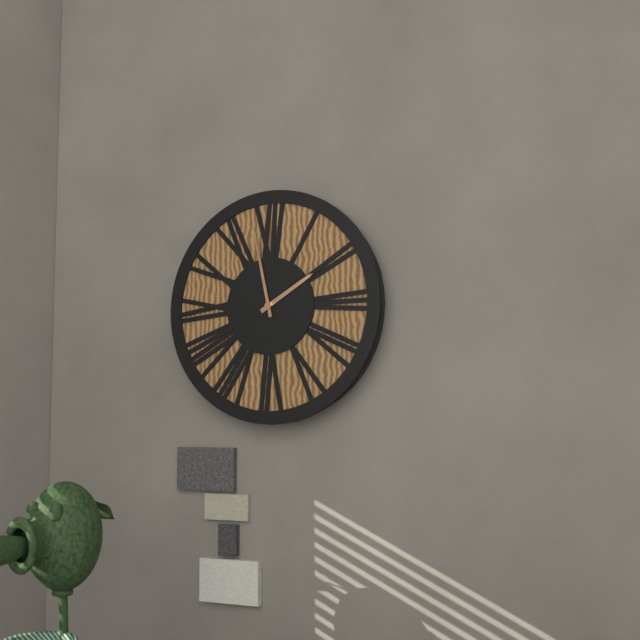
1:58
